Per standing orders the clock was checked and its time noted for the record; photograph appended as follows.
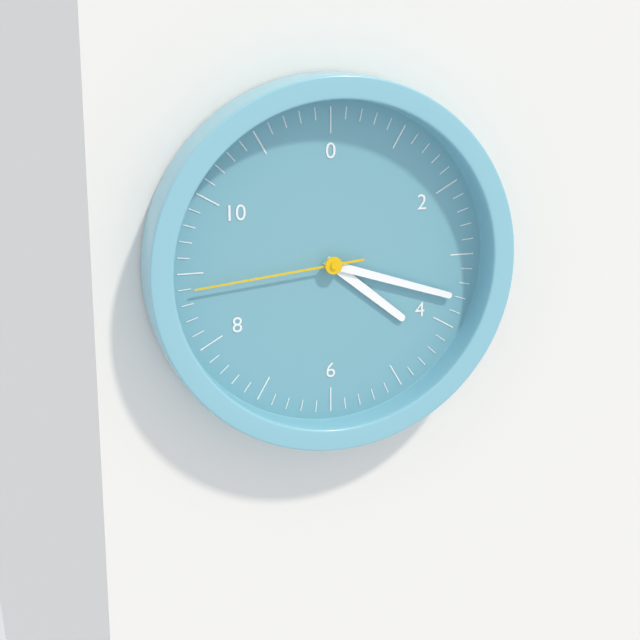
4:18:44
